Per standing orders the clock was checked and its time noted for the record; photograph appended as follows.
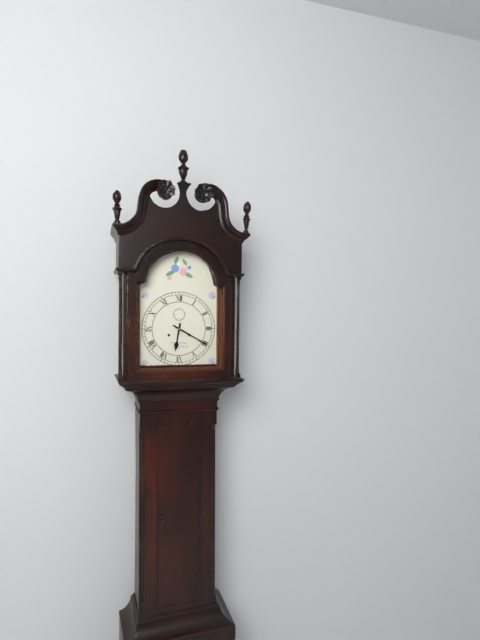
6:20
